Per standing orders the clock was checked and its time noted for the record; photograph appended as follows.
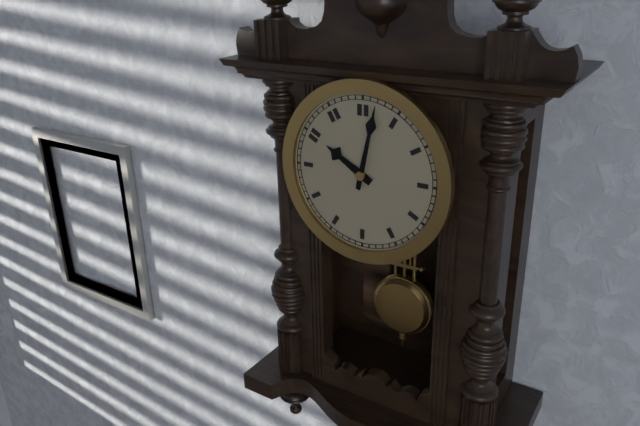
10:02
